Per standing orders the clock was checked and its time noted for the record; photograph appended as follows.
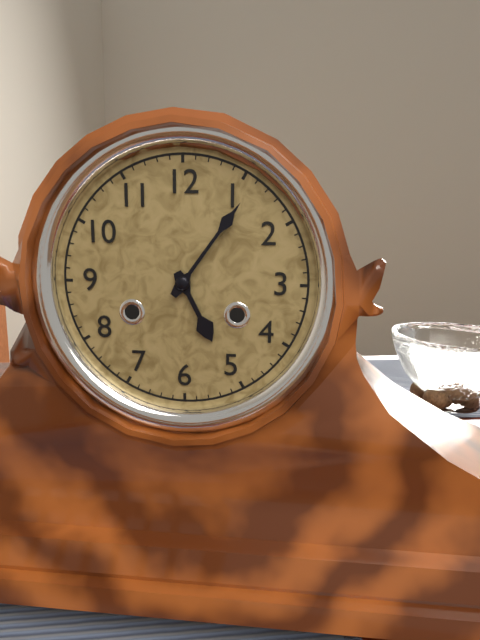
5:06
